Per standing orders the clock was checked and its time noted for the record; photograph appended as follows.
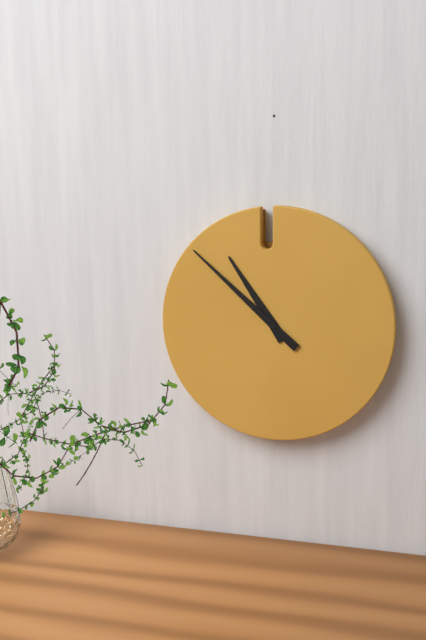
10:52
